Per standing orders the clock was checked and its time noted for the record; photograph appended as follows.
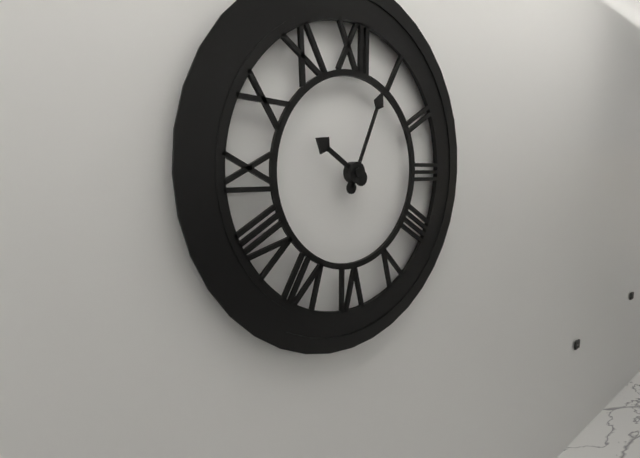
10:04
